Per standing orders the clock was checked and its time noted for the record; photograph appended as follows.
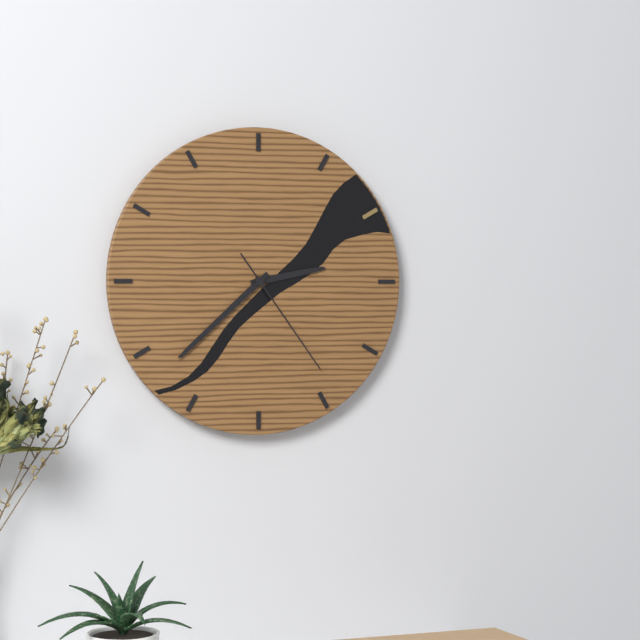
2:38:24
